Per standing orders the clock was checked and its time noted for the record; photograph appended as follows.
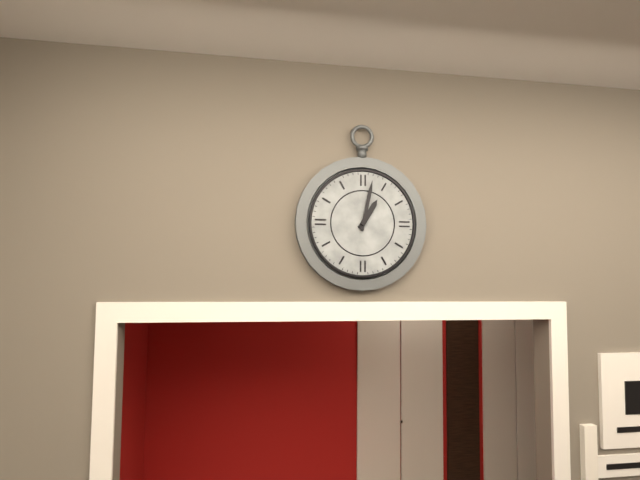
1:02
